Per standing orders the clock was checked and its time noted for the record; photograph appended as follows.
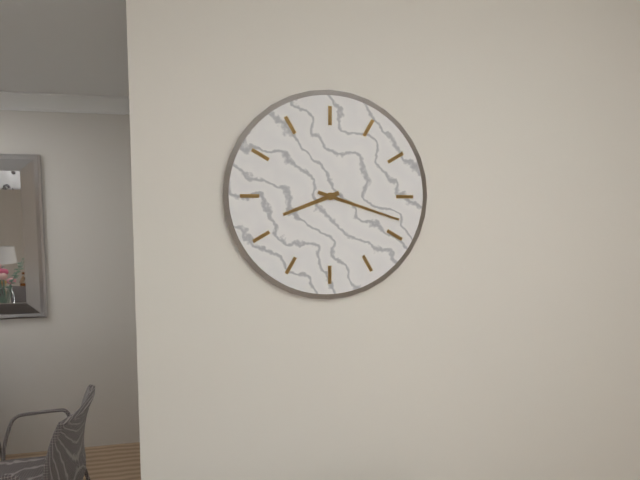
8:18
